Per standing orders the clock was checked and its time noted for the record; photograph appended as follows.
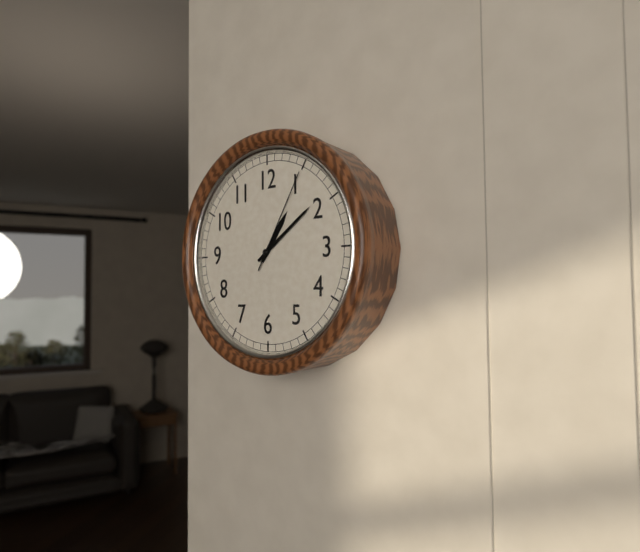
1:09:05
